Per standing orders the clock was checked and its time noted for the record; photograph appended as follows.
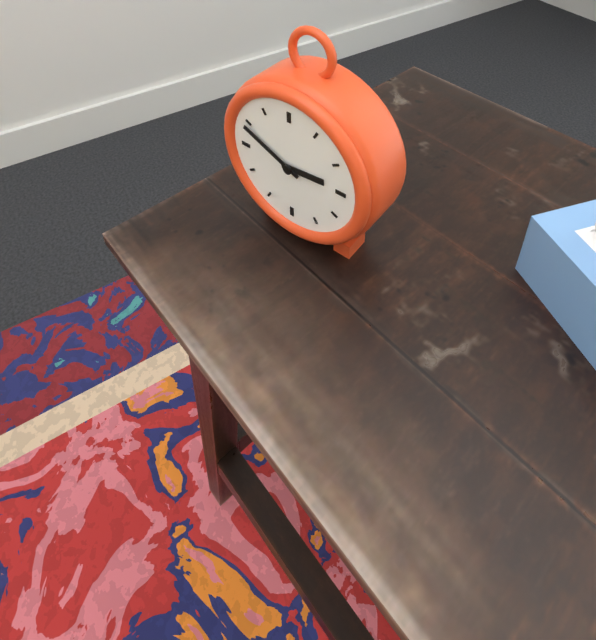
2:49
